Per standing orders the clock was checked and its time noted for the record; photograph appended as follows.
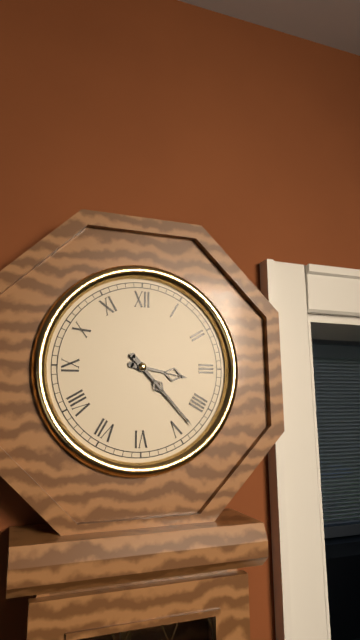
3:23
